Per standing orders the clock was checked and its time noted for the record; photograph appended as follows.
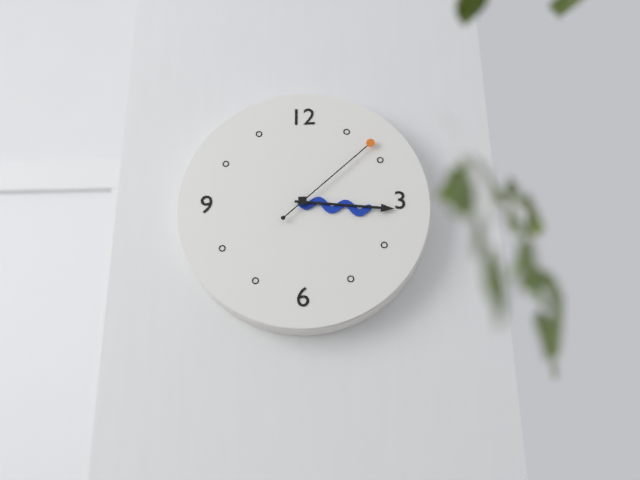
3:16:08
